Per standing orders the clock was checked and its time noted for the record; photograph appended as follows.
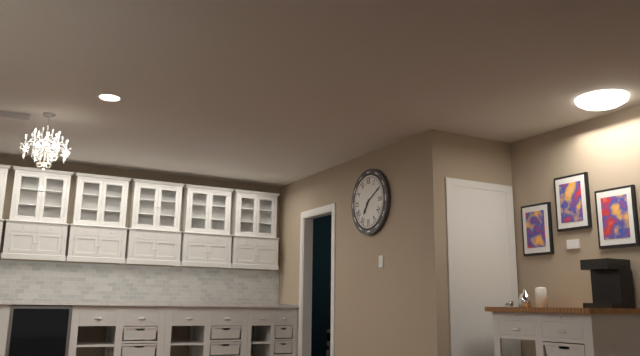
7:10
